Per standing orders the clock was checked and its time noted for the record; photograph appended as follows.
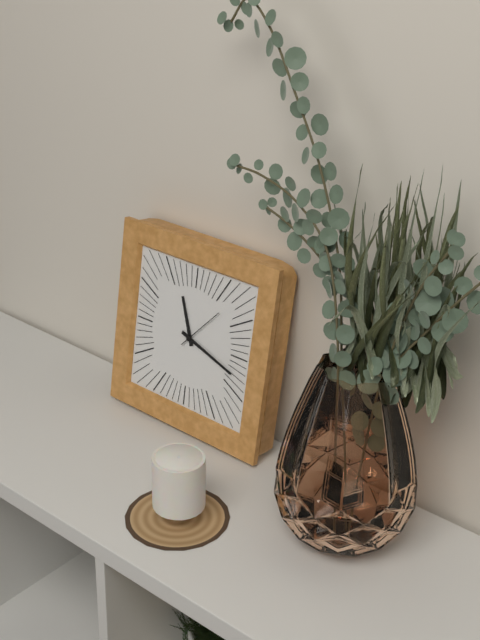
11:18
